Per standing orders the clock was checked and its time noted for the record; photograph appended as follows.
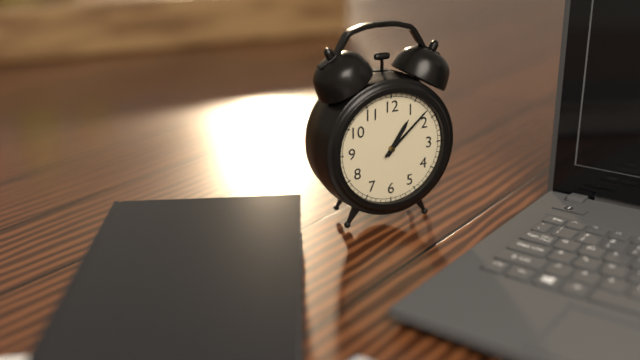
1:08
